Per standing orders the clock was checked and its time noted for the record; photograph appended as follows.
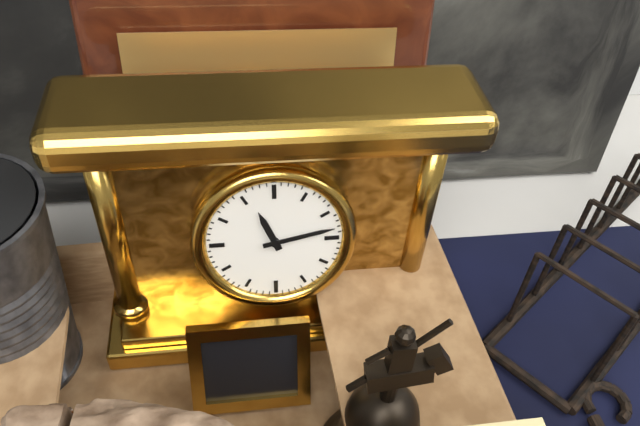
11:13
